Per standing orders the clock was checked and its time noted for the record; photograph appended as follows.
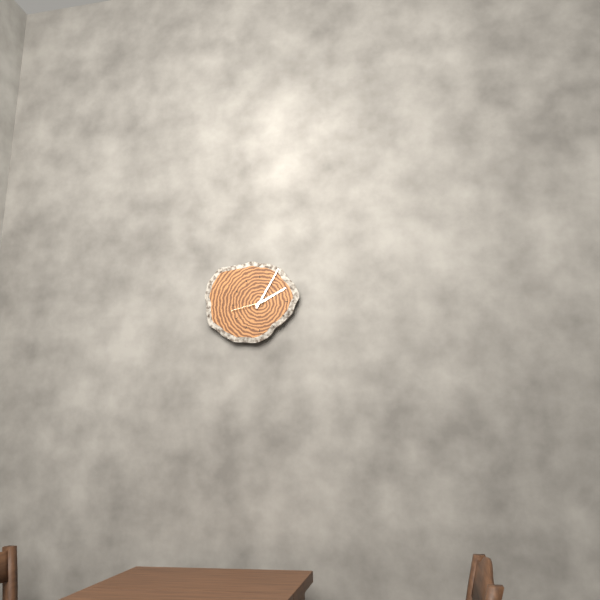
2:05
